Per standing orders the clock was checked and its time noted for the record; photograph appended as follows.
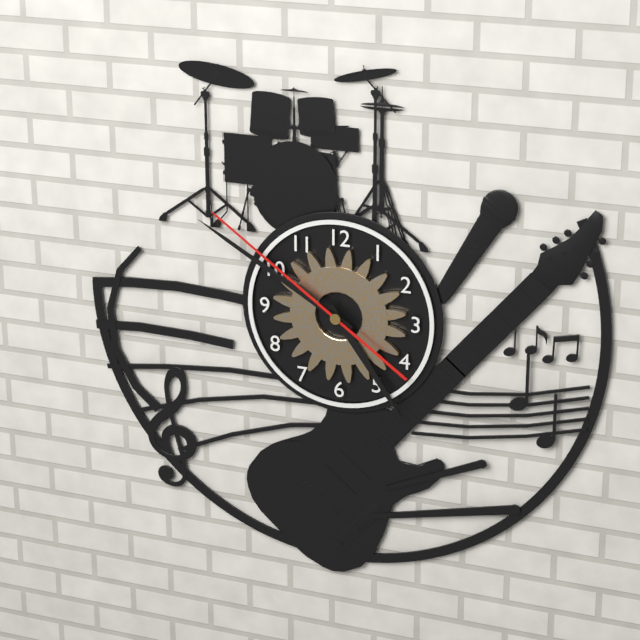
4:50:51
